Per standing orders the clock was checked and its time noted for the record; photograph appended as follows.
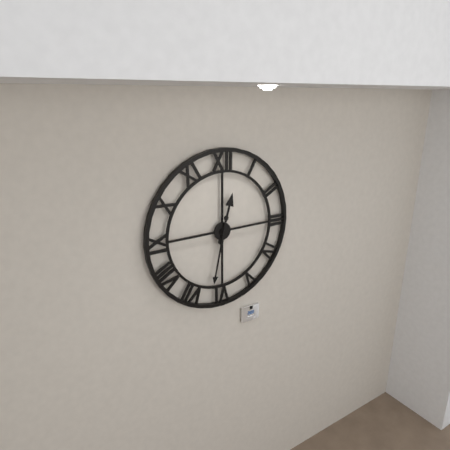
12:32
